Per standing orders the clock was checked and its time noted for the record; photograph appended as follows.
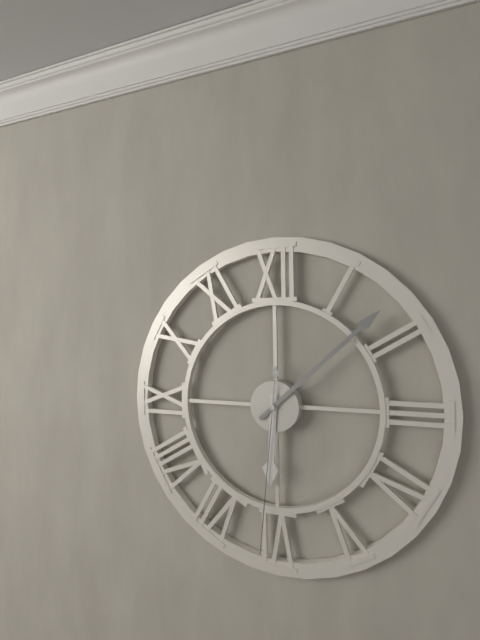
6:08:31
